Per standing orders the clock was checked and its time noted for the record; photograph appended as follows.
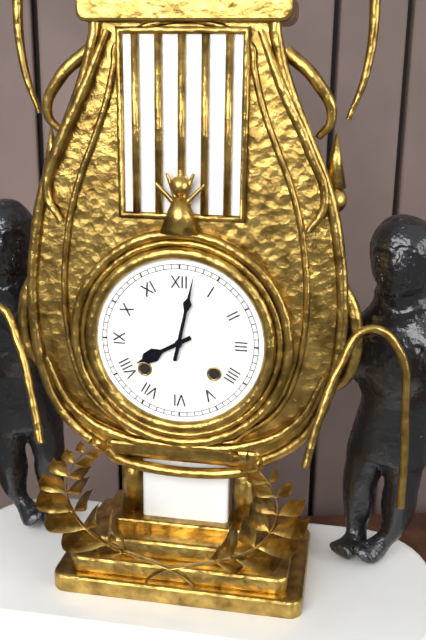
8:02
